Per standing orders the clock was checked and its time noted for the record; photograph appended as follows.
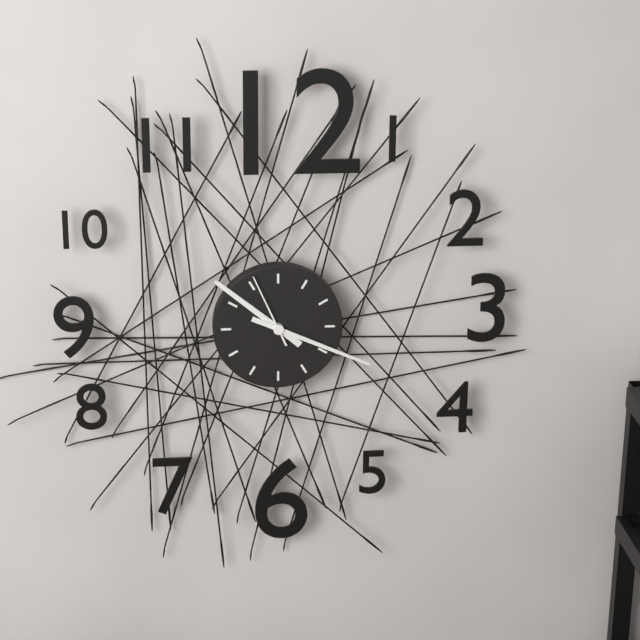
10:19:56
